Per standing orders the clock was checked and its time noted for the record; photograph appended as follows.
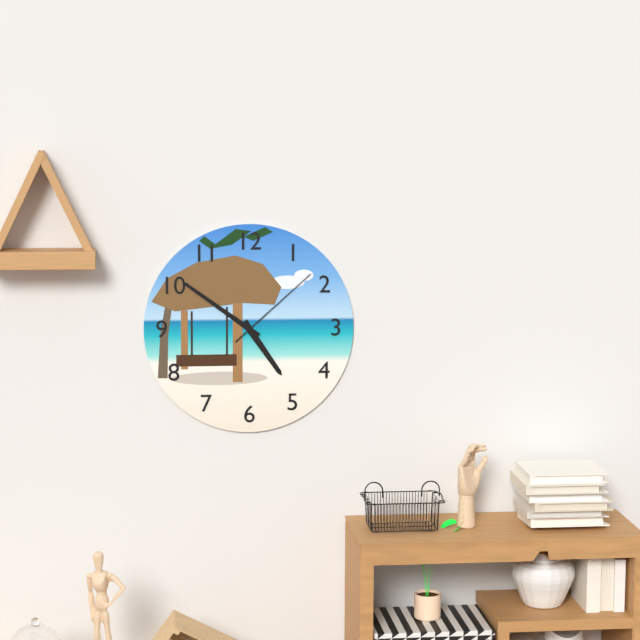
4:51:08
